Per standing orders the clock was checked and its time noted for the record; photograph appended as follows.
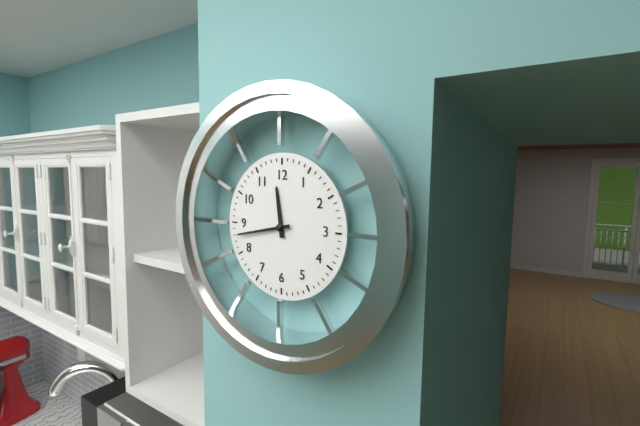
11:43
